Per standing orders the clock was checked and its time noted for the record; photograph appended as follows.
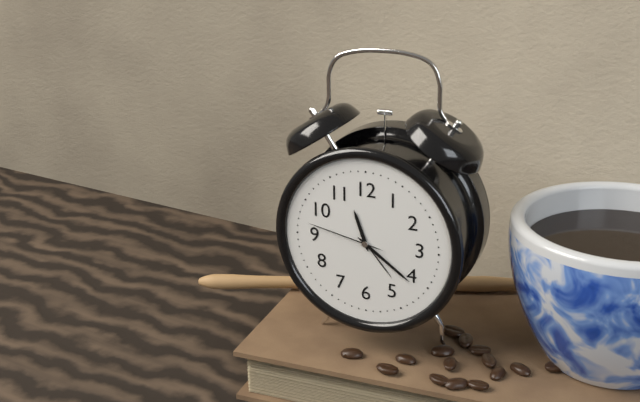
11:21:47
